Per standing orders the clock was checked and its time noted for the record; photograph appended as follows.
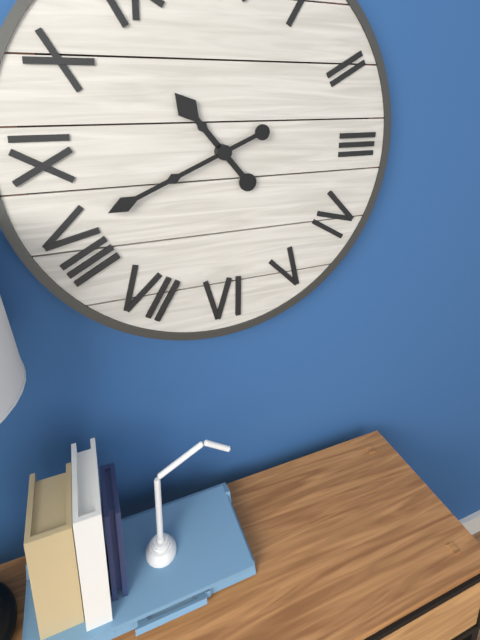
10:41
